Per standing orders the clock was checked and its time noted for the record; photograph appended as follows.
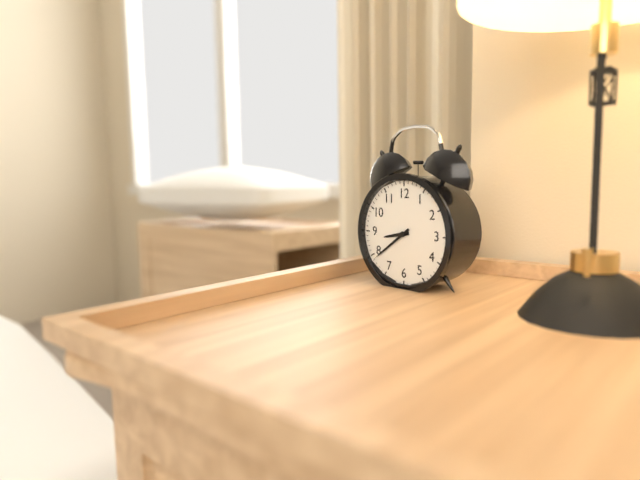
8:39
